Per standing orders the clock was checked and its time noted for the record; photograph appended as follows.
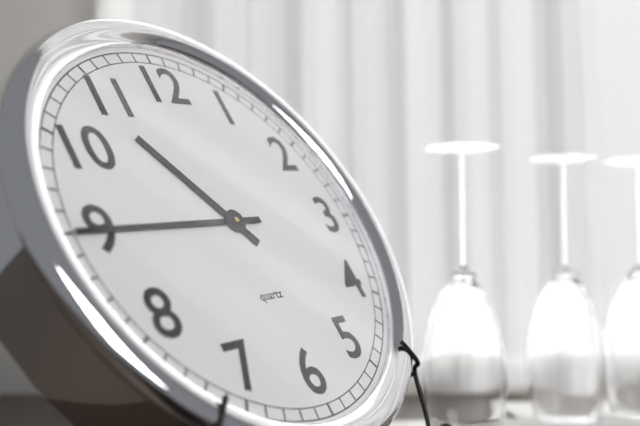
10:45
